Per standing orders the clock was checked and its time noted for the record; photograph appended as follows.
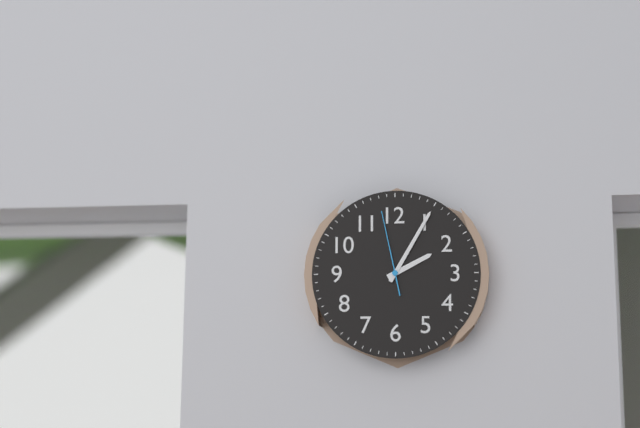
2:05:58
